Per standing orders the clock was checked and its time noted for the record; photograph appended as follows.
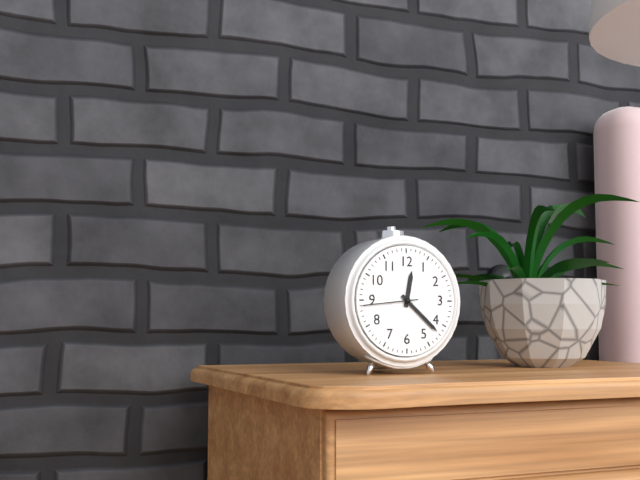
12:22:44
